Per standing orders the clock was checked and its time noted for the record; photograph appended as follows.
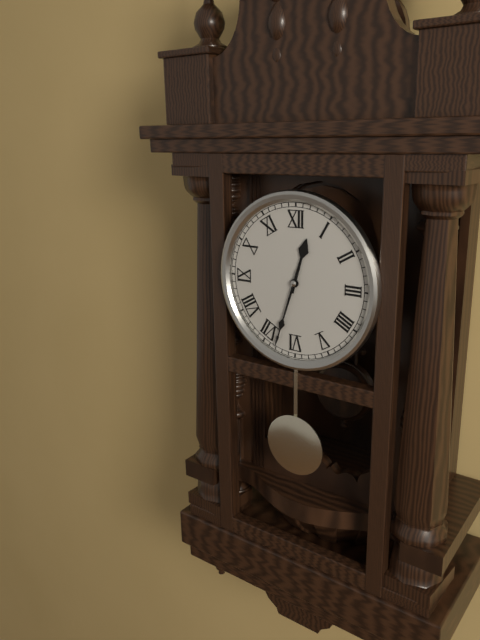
12:33
